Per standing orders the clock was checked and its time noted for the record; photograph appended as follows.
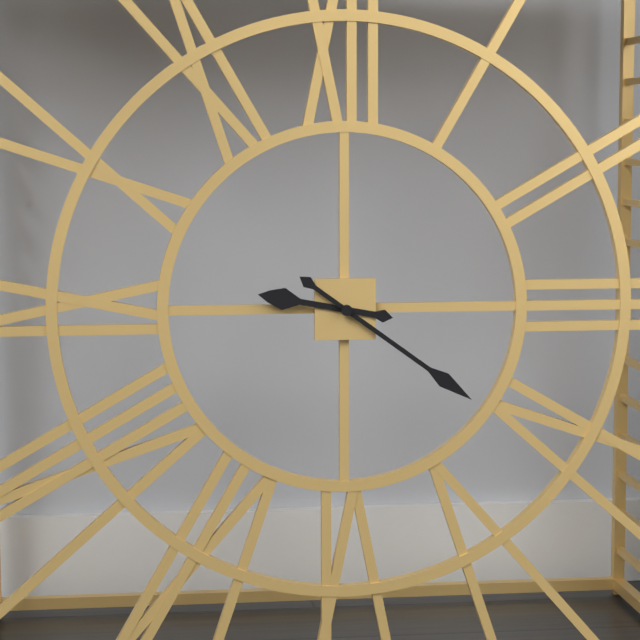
9:21
